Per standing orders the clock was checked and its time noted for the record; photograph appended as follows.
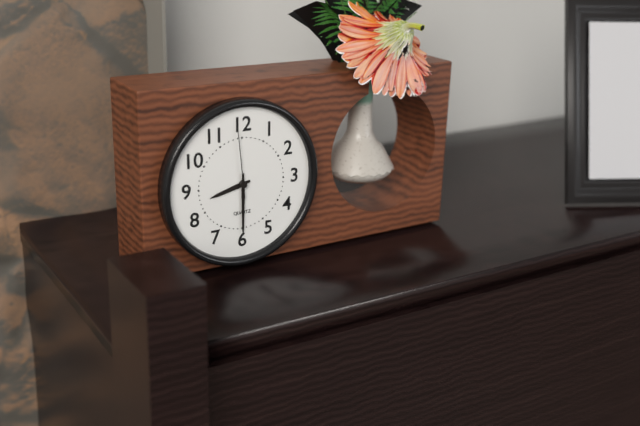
8:30:59
